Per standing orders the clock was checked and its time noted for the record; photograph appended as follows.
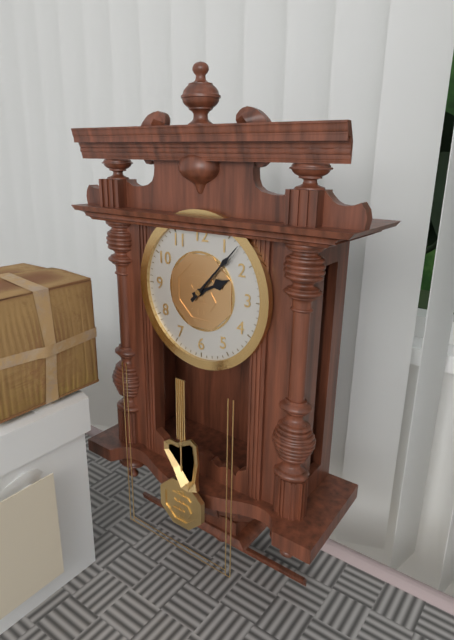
2:07
